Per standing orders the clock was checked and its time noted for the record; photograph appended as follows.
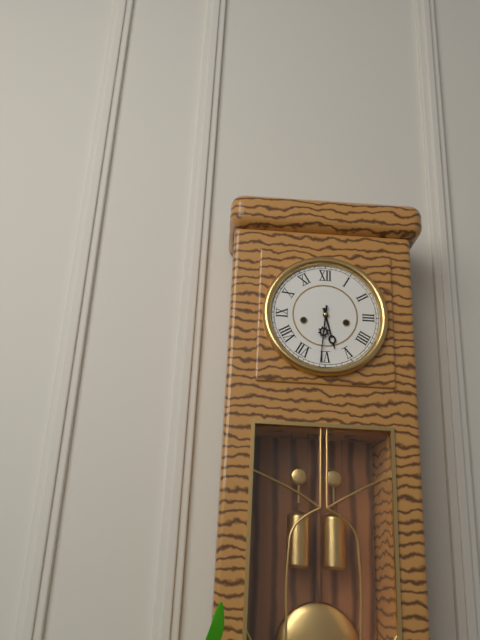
5:31
